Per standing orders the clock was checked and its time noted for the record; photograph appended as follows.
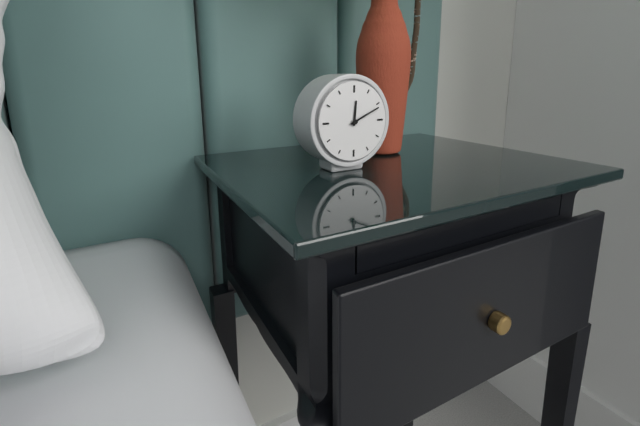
12:11
